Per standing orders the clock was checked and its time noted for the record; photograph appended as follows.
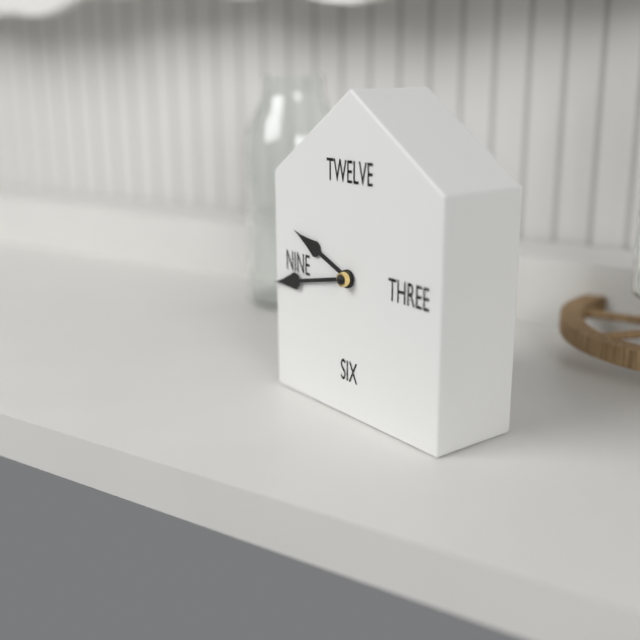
9:43
